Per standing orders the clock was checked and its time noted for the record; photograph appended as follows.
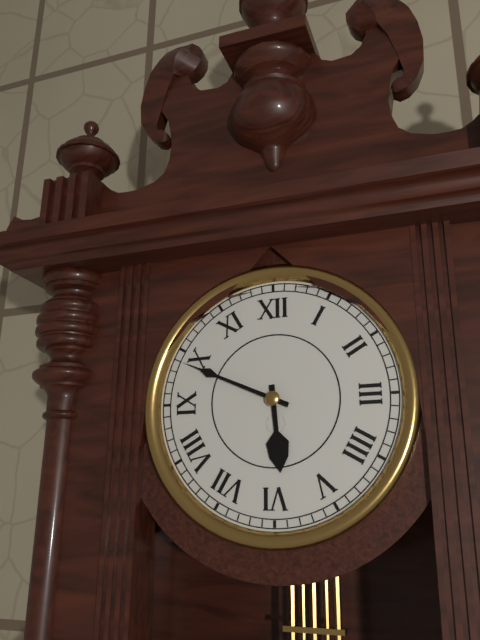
5:49
